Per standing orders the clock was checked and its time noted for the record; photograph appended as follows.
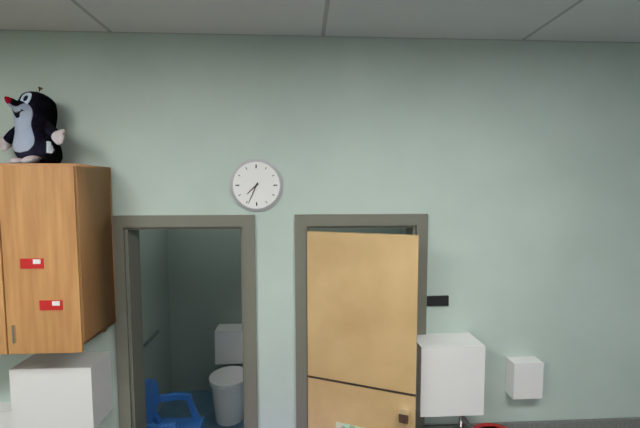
7:34
